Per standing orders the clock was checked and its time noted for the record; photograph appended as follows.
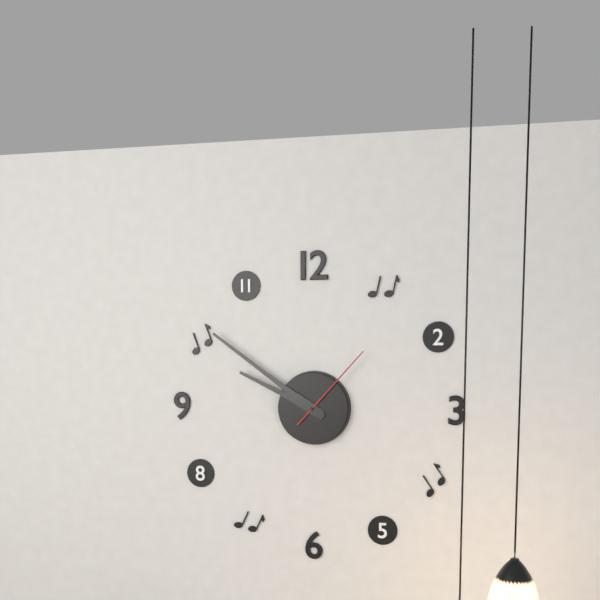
9:51:07
